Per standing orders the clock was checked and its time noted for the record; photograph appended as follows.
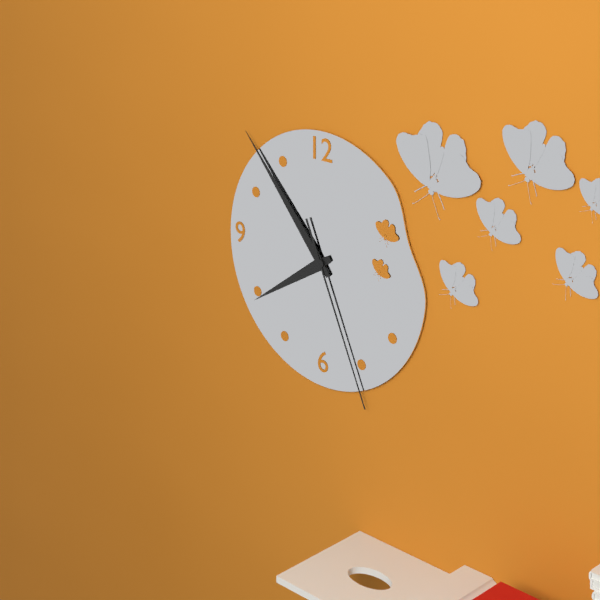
7:53:26
